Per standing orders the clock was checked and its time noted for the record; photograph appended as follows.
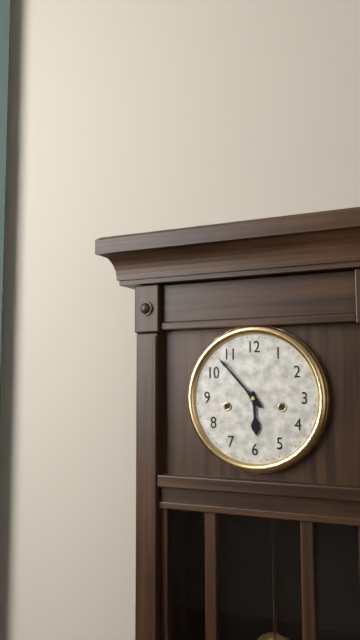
5:53
